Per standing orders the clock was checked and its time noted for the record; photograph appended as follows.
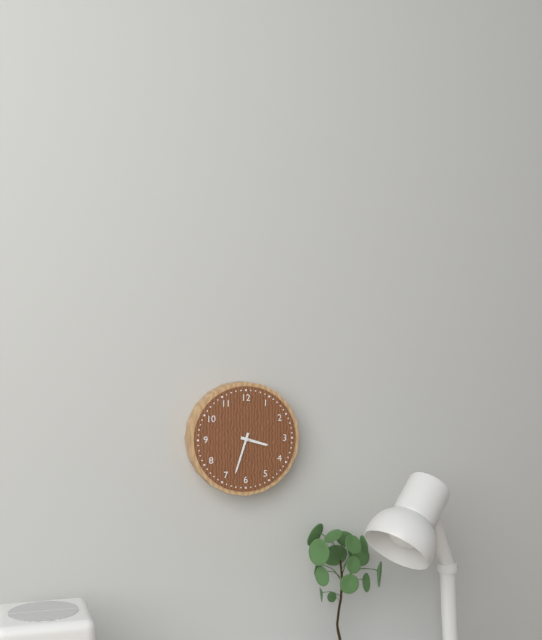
3:33
